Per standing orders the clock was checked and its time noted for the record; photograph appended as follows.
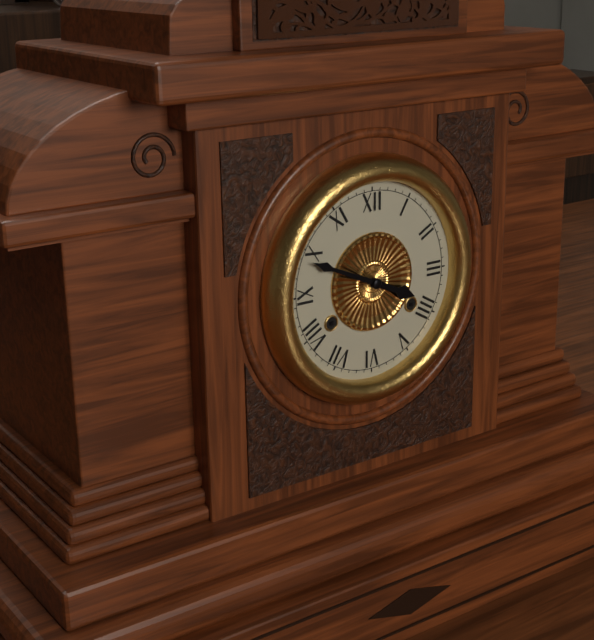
3:49
